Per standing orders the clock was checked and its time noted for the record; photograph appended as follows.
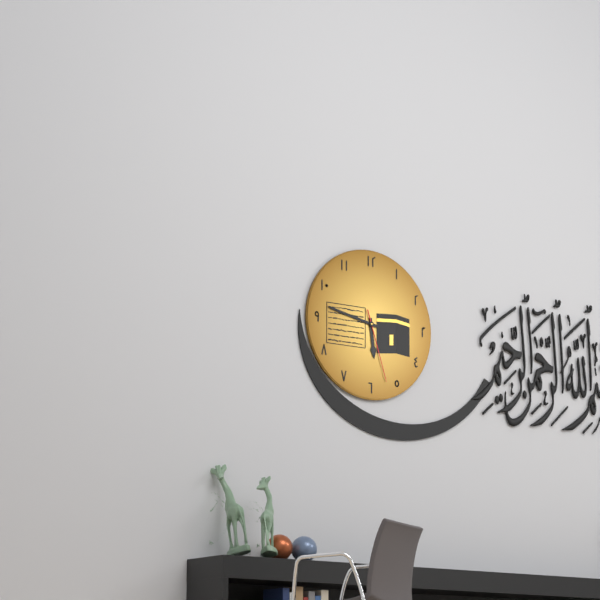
5:47:27
